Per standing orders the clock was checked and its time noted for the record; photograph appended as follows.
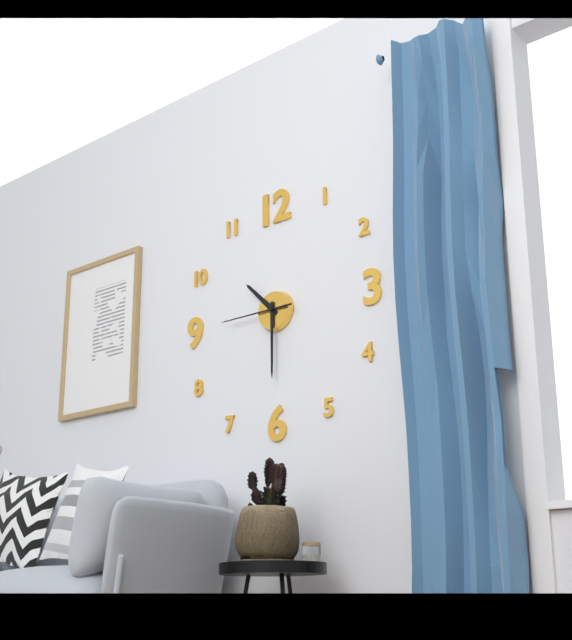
10:30:45
